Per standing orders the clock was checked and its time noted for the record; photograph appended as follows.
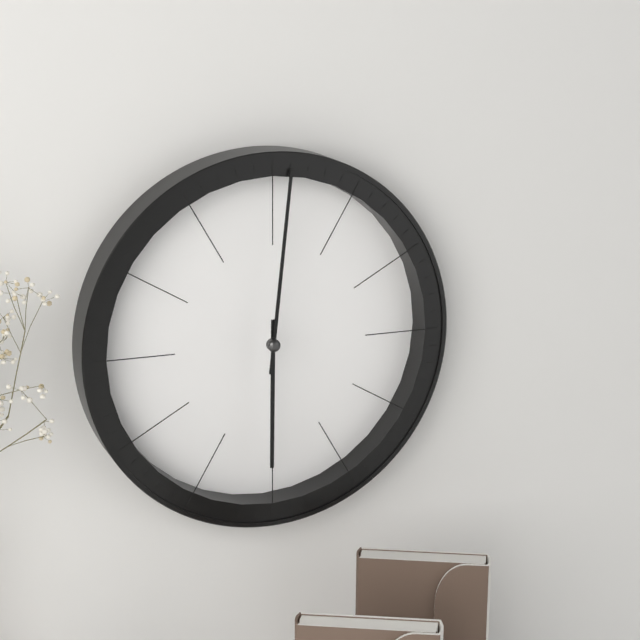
6:01
